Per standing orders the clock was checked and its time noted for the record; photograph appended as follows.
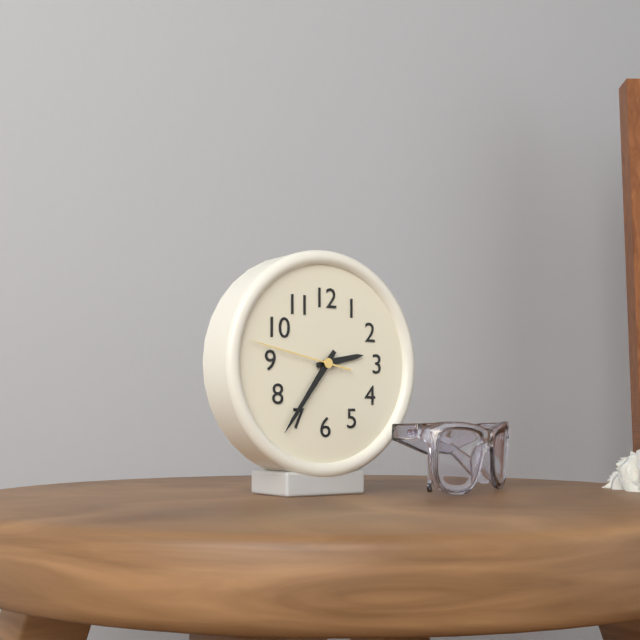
2:36:47
